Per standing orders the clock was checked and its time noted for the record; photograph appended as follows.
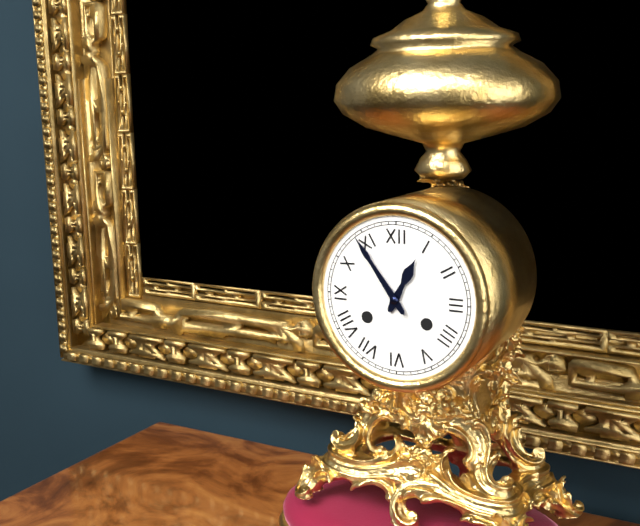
12:54
